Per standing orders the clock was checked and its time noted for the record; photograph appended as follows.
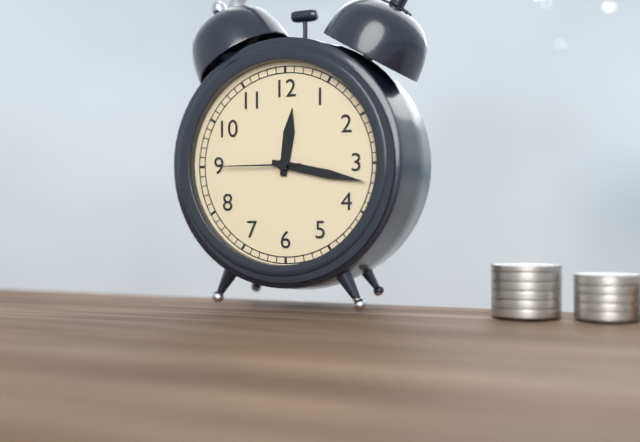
12:17:45
